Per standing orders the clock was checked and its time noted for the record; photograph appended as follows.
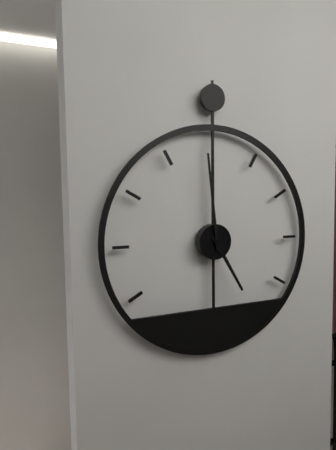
4:59
